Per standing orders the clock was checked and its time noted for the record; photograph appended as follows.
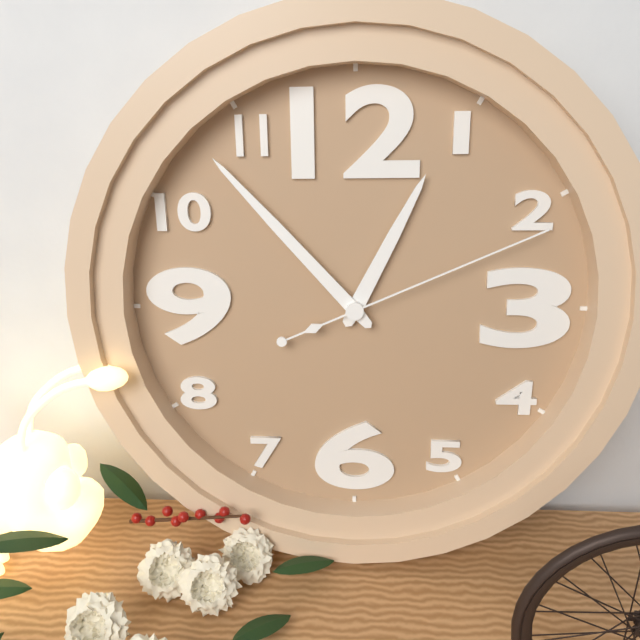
12:53:11
